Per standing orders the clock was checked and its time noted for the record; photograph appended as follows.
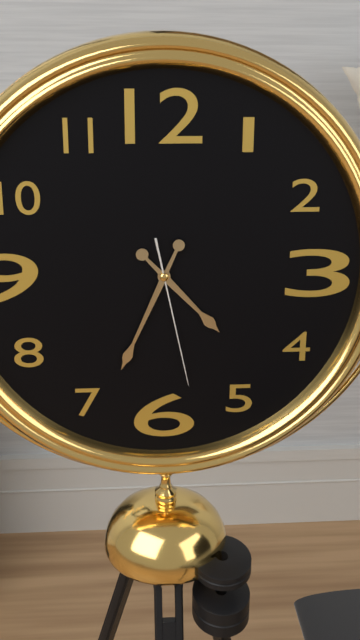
4:34:28
